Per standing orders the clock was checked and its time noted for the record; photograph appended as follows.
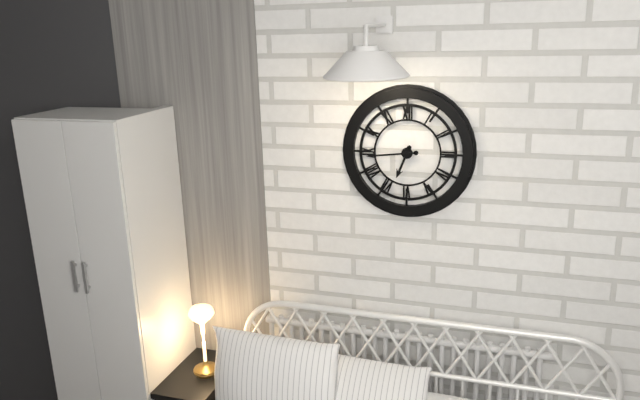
6:44
